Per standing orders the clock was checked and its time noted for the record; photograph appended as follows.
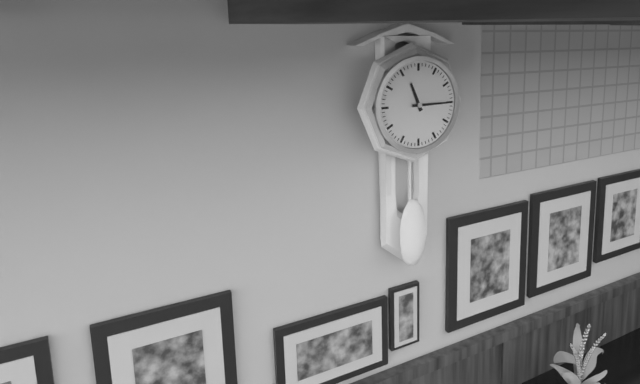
11:15
